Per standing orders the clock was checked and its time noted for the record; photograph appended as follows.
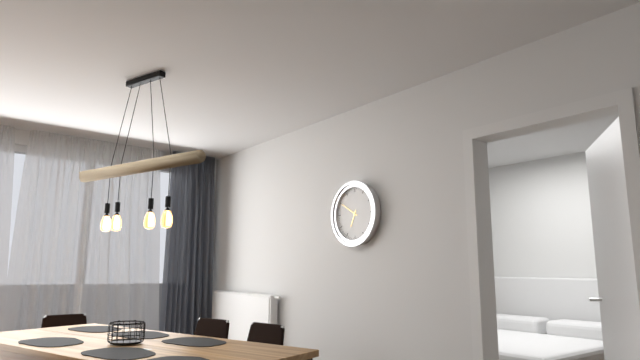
6:50
